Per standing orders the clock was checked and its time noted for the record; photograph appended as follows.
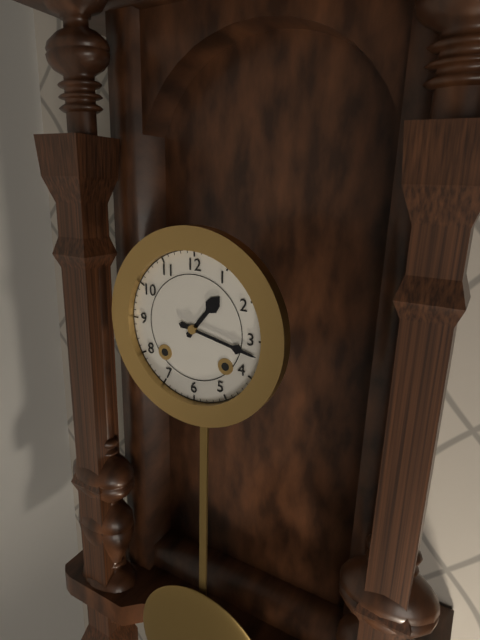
1:17
